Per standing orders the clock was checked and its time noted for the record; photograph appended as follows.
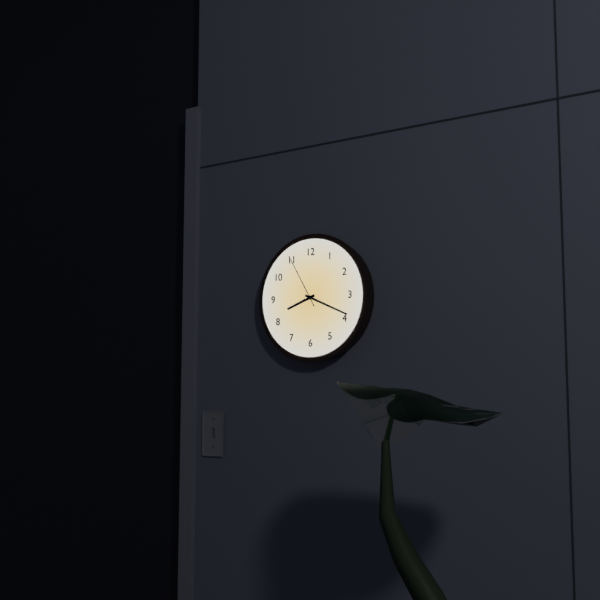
8:19:55
